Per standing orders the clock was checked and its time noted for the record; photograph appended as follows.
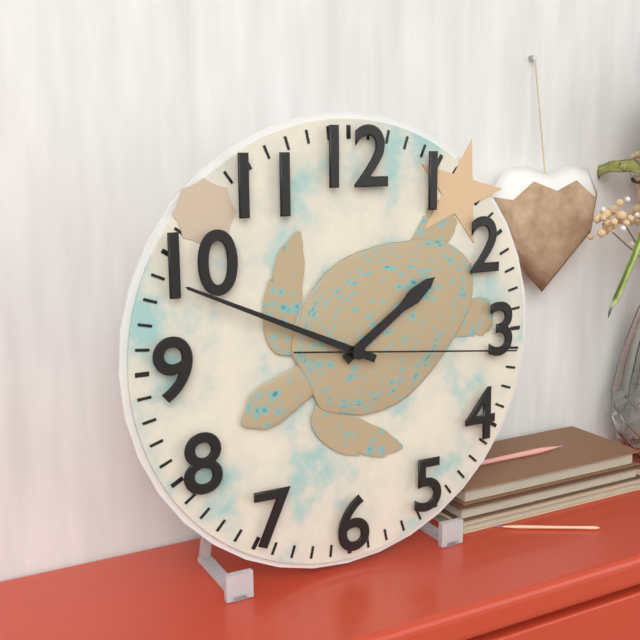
1:49:16
